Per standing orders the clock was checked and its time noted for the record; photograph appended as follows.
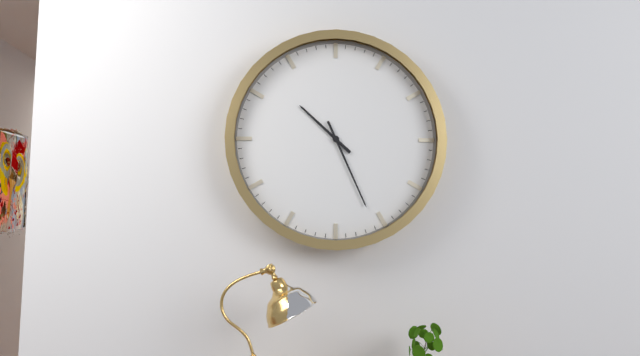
10:26
